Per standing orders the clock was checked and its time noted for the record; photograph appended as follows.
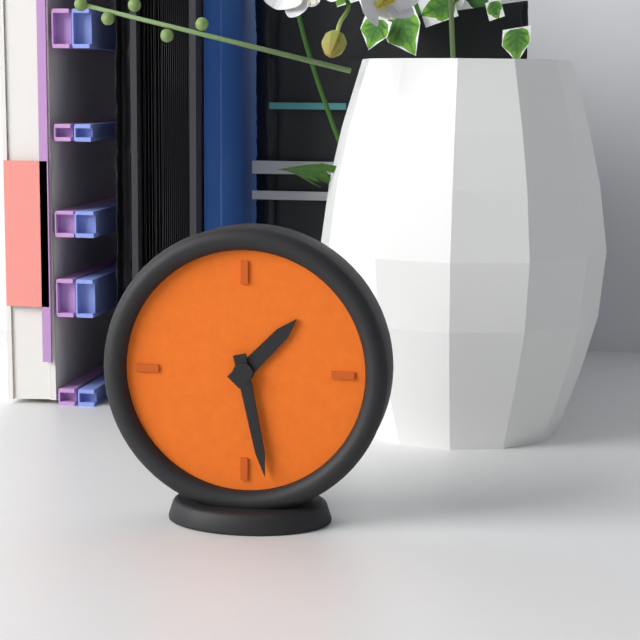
1:28
